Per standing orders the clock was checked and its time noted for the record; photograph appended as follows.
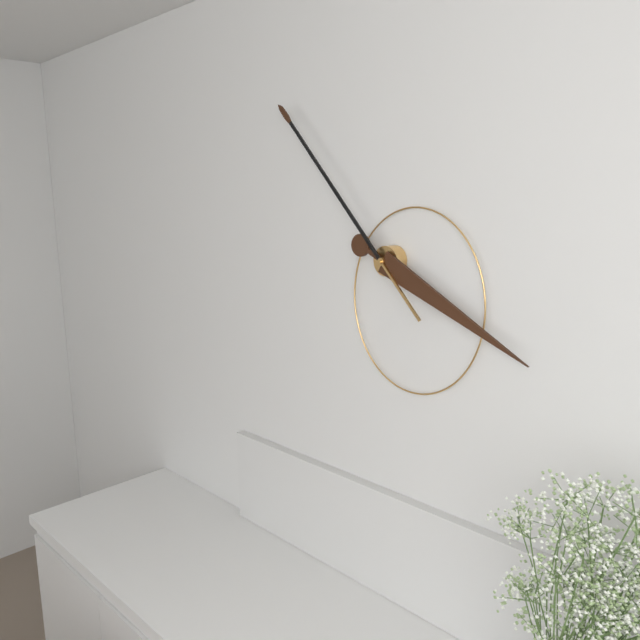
3:53
